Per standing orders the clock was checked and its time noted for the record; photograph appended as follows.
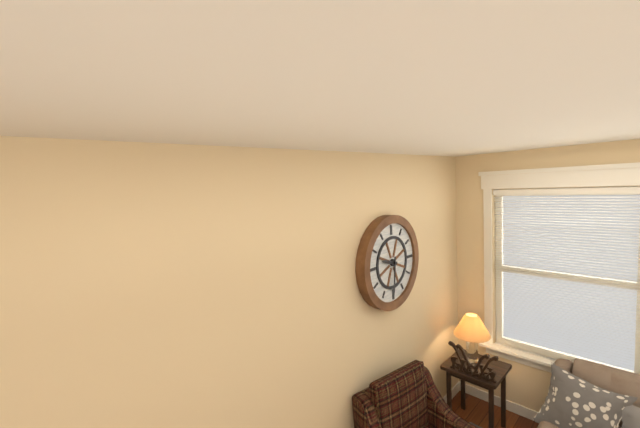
9:31
